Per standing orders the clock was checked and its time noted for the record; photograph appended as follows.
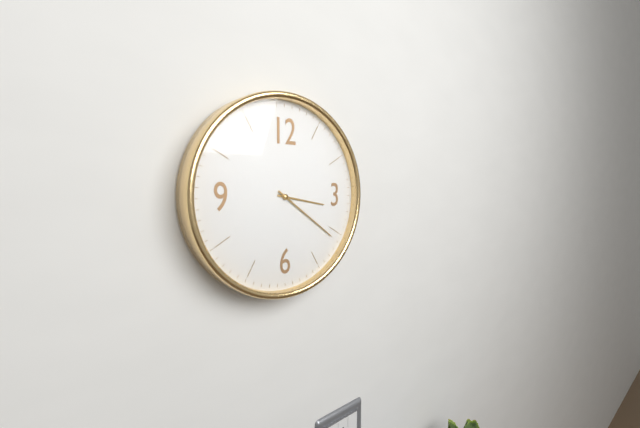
3:21
